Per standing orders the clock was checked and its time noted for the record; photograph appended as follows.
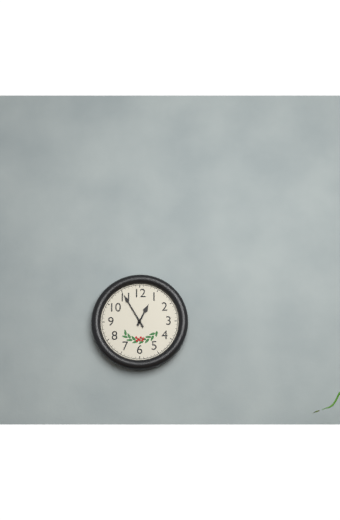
12:55
